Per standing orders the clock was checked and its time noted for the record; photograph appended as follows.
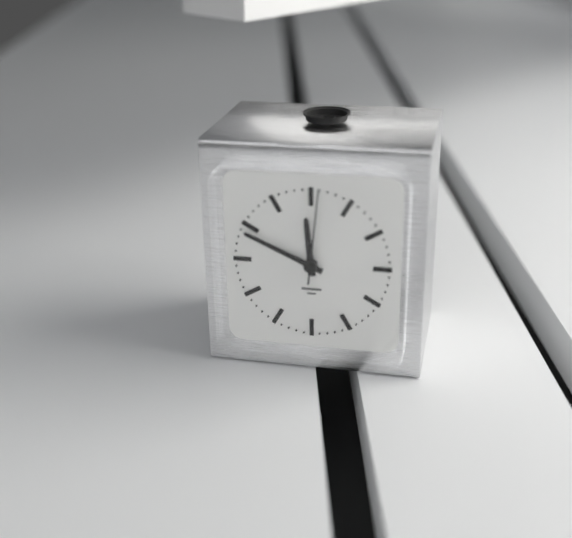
11:49:01
